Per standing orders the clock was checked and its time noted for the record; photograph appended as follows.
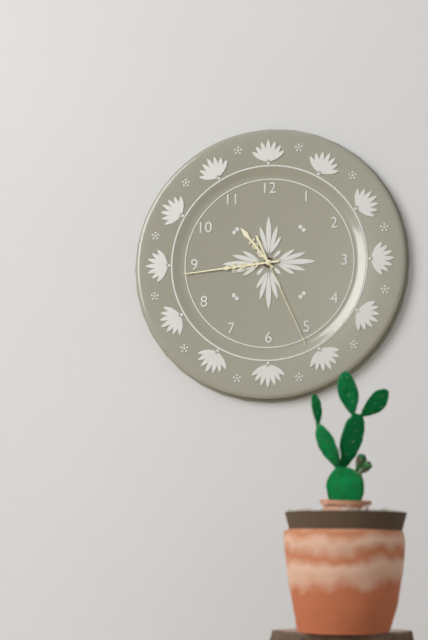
10:44:26
